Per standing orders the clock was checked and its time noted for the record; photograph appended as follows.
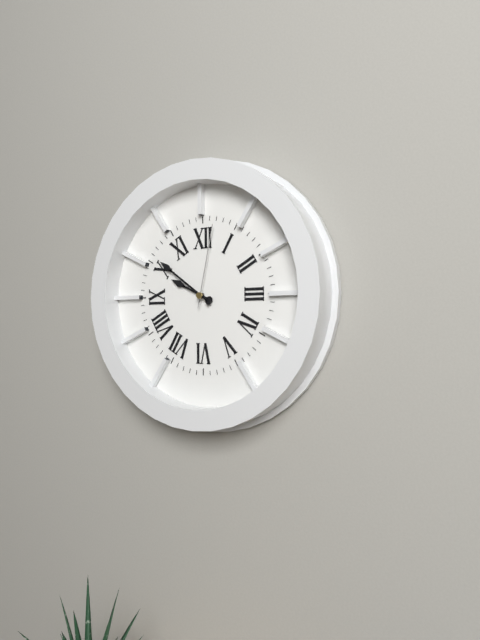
9:51:02
